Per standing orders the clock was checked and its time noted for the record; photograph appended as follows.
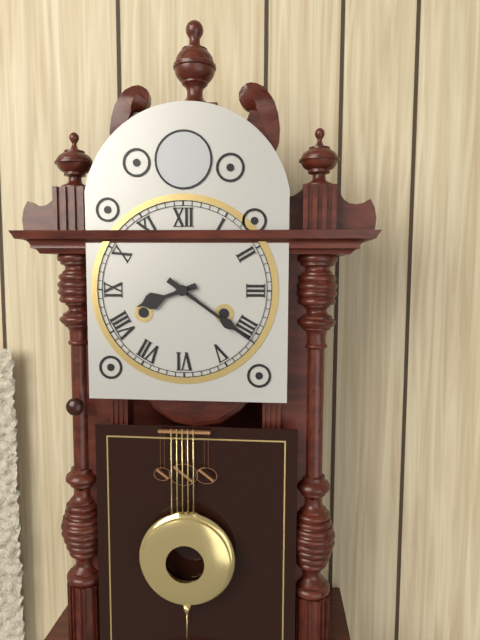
8:21
